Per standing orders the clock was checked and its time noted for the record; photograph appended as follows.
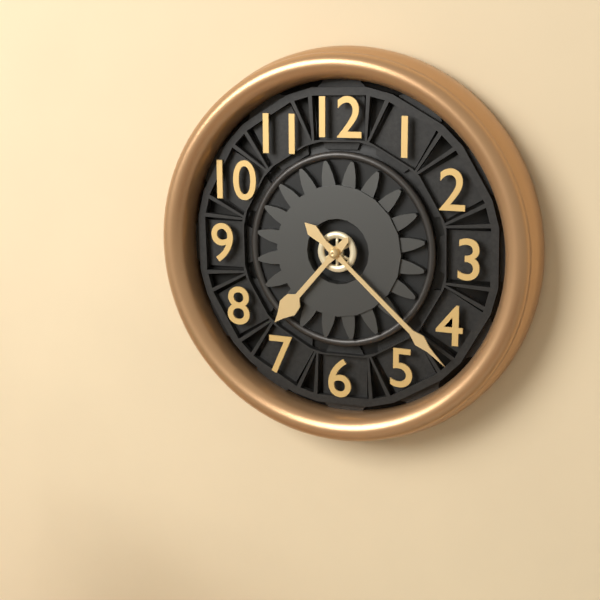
7:22
